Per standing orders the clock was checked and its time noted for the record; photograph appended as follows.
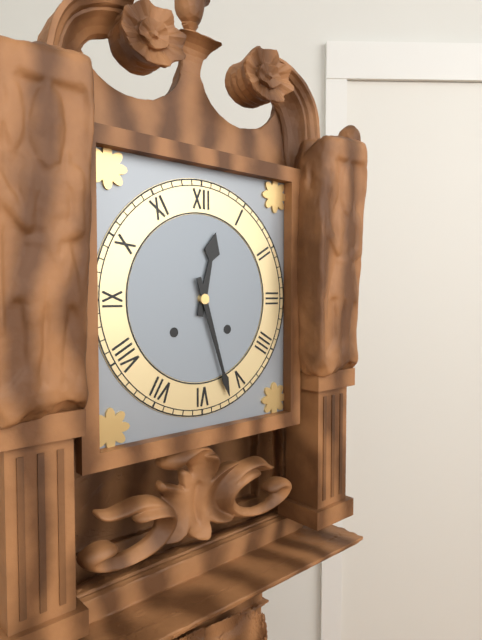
12:27
